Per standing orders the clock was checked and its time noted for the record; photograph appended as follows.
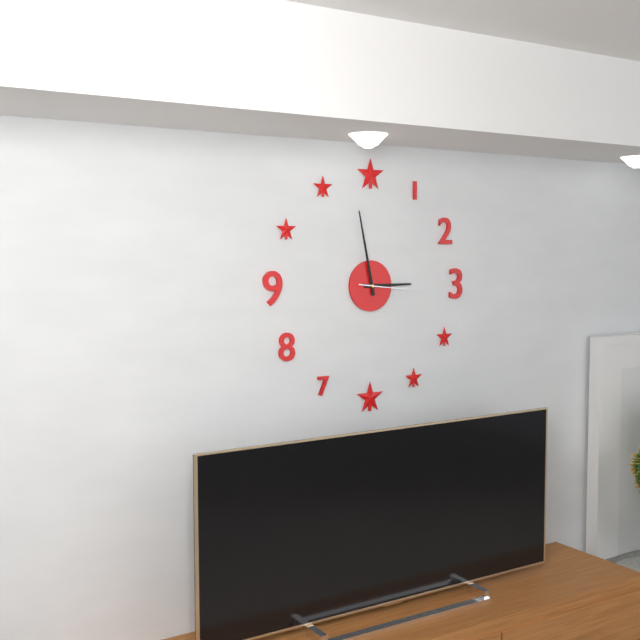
2:58:16
